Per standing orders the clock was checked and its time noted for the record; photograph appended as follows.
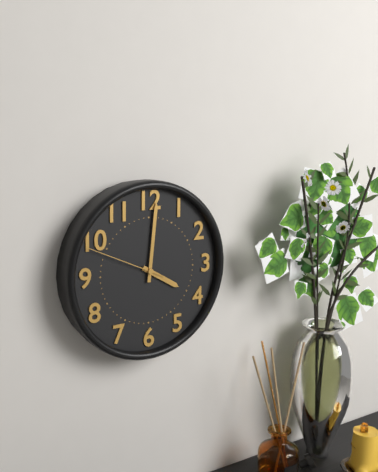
4:01:49
